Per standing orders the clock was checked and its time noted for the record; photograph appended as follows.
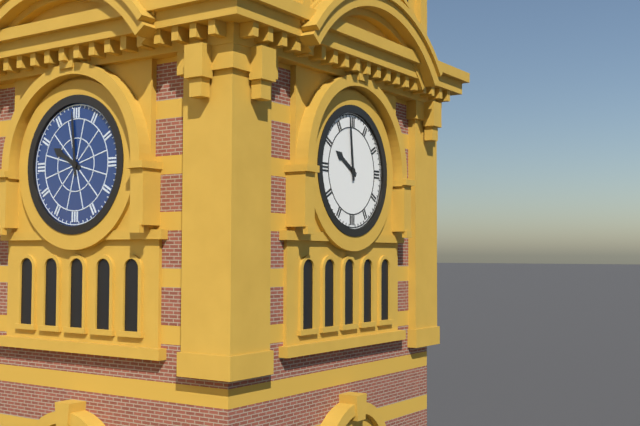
9:59
